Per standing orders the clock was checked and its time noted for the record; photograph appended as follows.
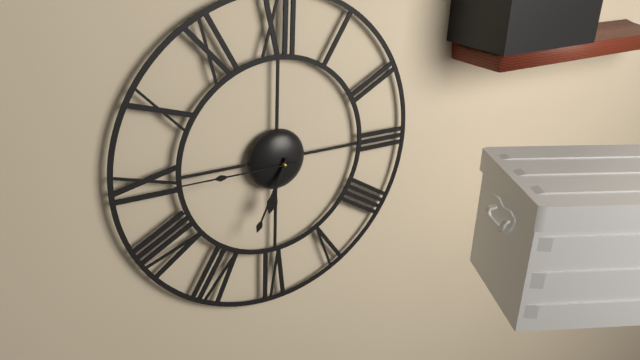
6:34:45
